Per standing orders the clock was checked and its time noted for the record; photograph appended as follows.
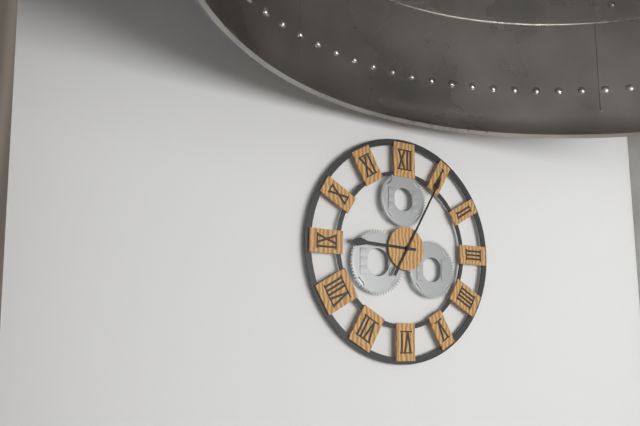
9:05
